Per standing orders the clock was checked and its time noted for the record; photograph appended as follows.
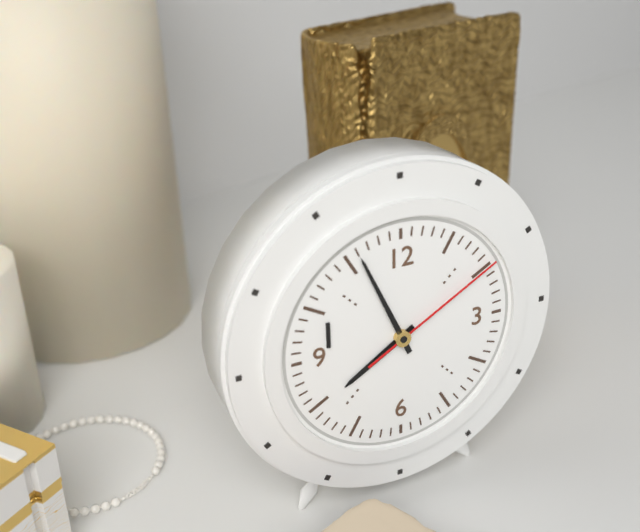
7:56:10
